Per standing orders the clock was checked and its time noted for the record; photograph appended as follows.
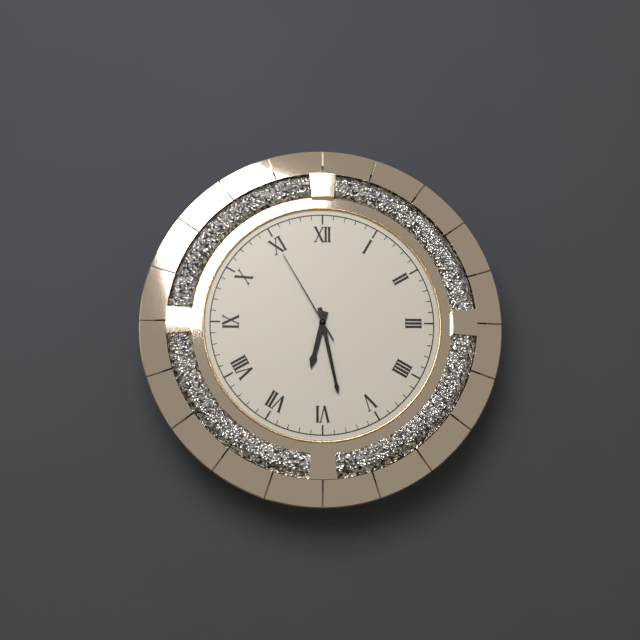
6:28:55
